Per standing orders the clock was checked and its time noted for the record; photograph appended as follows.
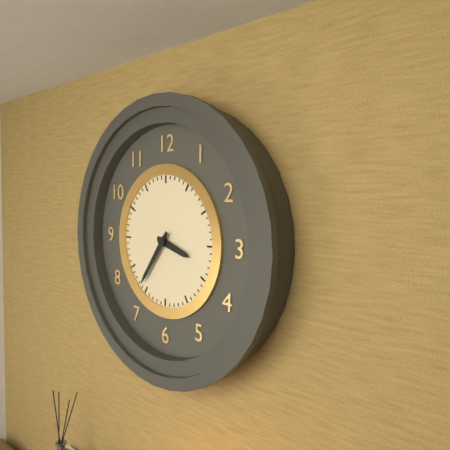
3:36
